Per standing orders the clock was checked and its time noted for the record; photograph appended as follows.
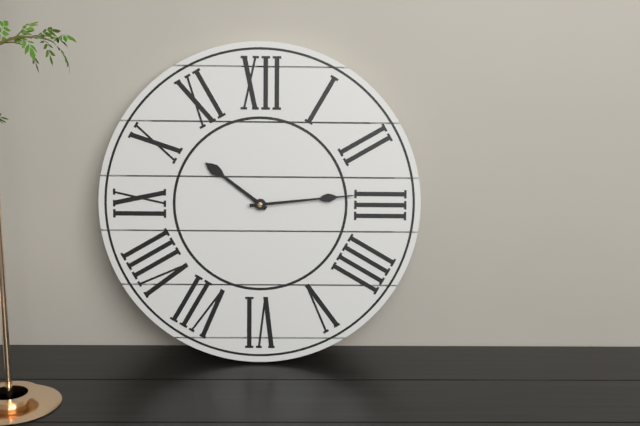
10:14
